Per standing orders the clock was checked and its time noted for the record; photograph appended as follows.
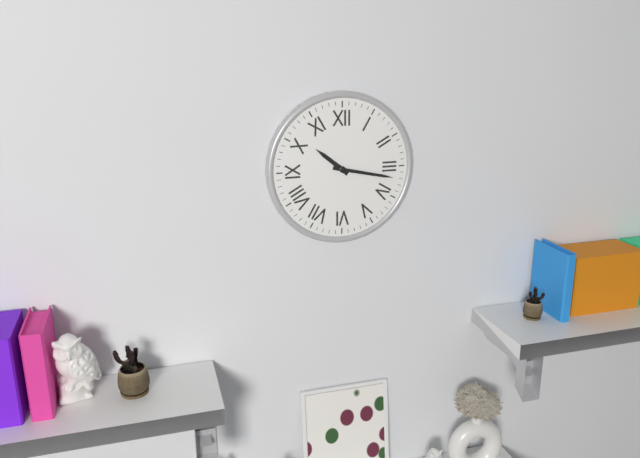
10:17
